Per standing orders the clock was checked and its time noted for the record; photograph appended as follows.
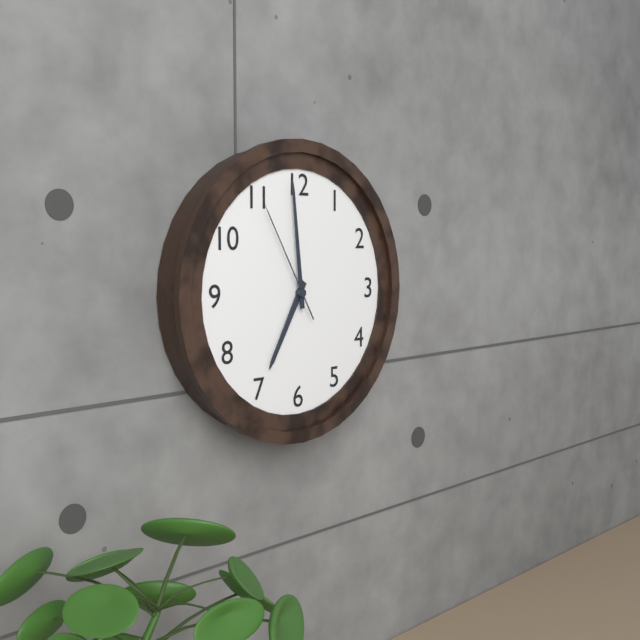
6:59:55
